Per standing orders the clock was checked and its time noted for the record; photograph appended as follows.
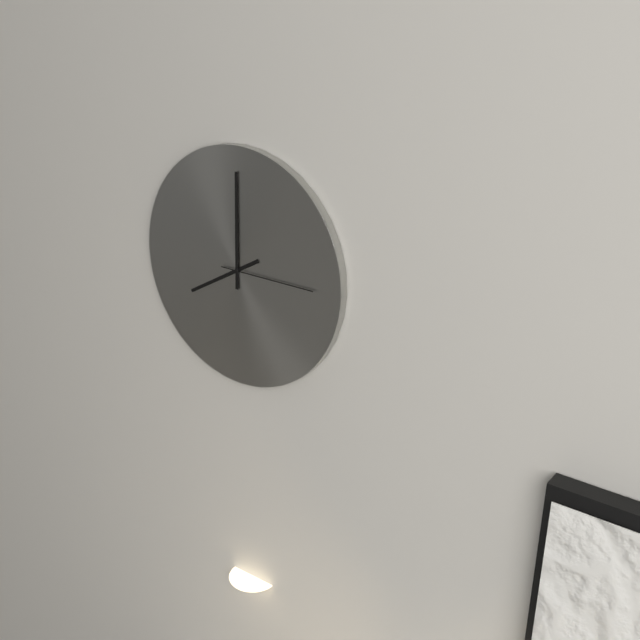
8:00:15
